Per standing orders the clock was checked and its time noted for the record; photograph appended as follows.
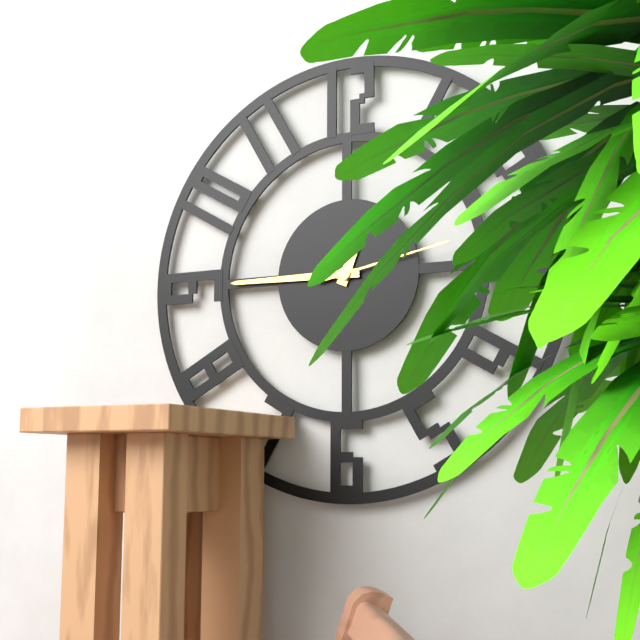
12:45:13
